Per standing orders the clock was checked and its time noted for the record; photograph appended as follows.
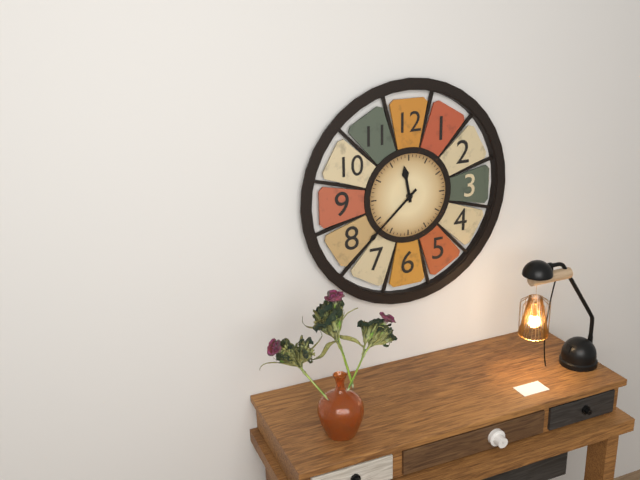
11:38
